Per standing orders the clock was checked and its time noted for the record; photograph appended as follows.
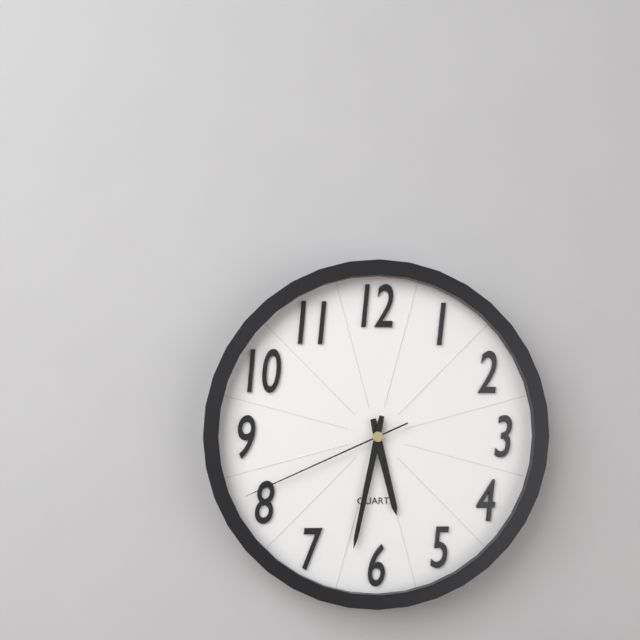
5:32:41
